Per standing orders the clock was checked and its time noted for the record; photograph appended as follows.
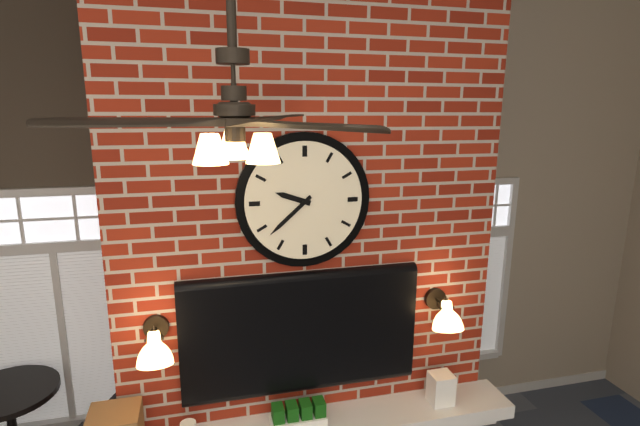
9:38
